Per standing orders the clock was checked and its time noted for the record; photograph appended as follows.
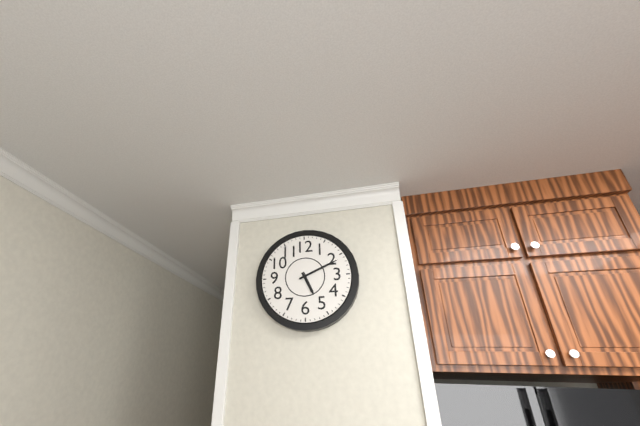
5:11
